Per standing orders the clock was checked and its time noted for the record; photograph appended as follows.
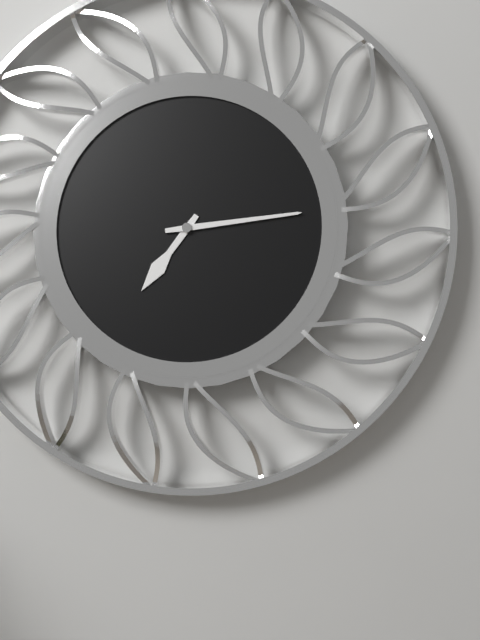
7:14
